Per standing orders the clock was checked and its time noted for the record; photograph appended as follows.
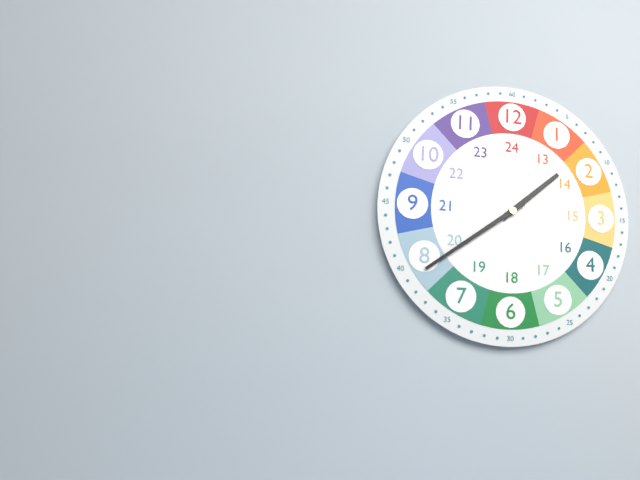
1:39
